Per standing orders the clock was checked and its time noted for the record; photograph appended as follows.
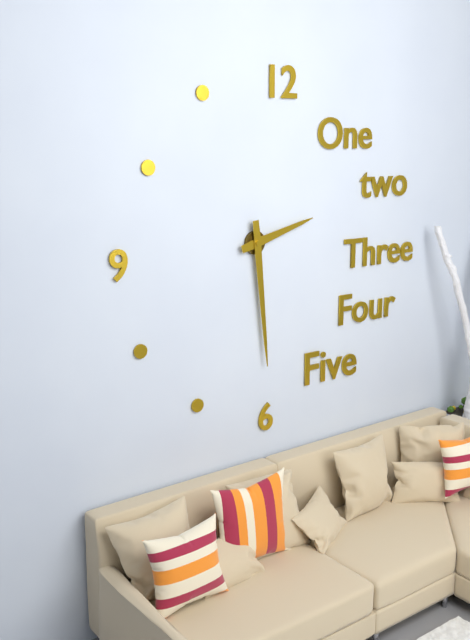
2:29
